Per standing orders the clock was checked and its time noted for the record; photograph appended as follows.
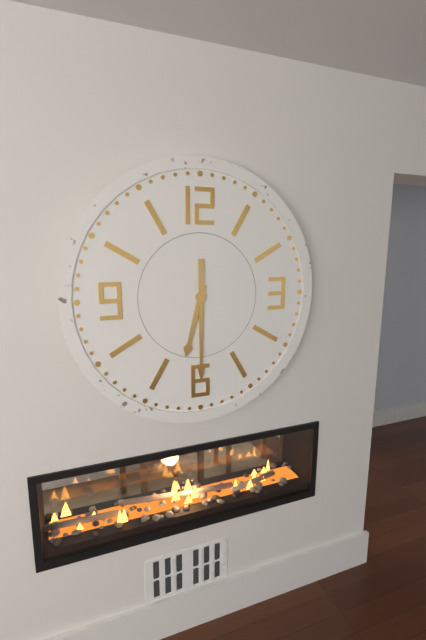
6:30
